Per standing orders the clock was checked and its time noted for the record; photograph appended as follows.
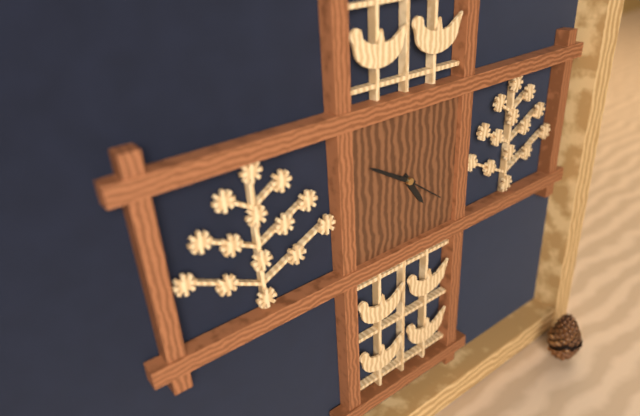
4:50:21
